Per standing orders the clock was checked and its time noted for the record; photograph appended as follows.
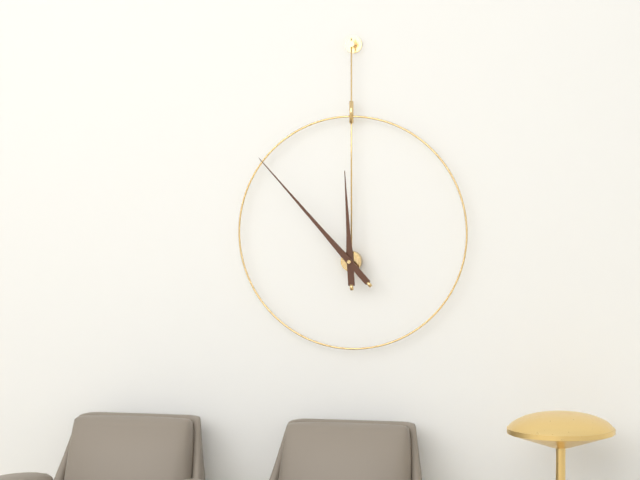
11:53
